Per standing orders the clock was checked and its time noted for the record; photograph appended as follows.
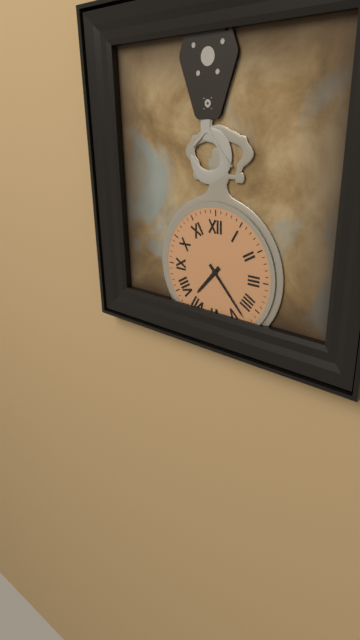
7:23
